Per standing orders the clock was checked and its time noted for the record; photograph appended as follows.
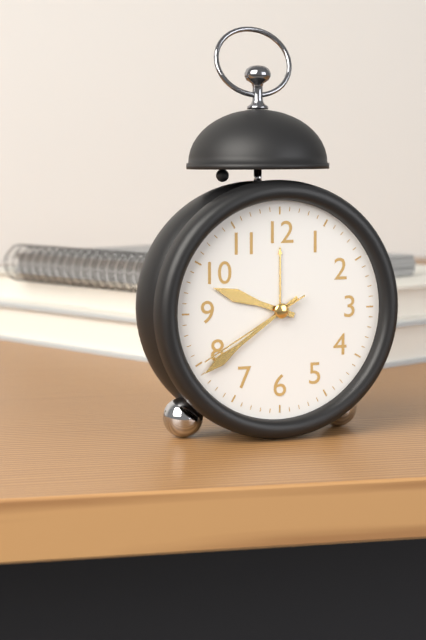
9:39:40
